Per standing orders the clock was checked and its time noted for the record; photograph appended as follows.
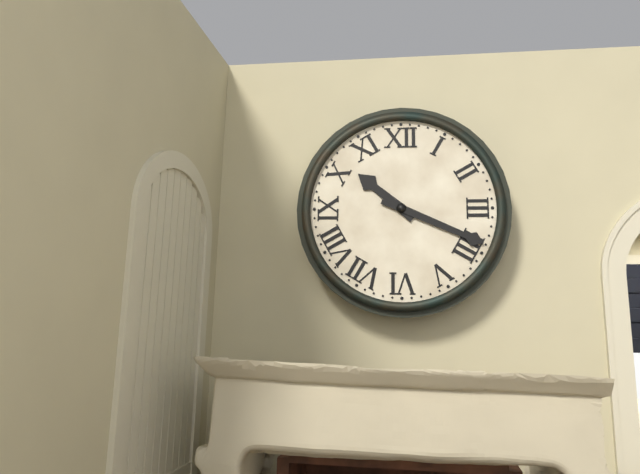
10:19
